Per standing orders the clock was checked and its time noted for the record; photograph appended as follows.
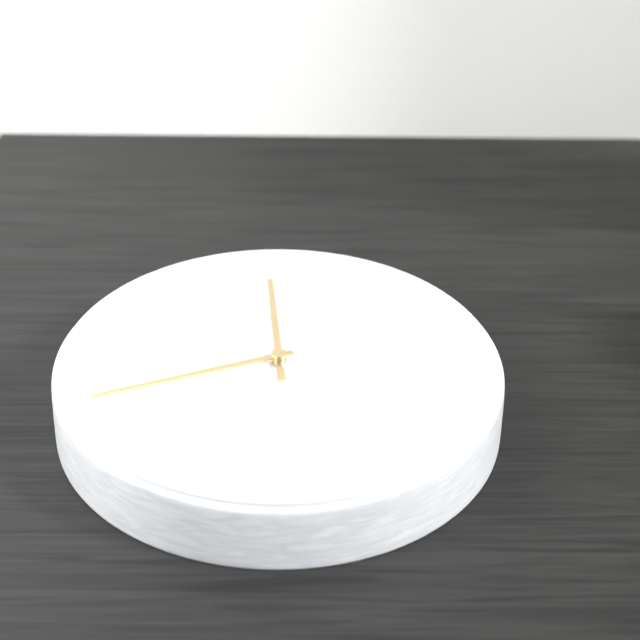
10:35
